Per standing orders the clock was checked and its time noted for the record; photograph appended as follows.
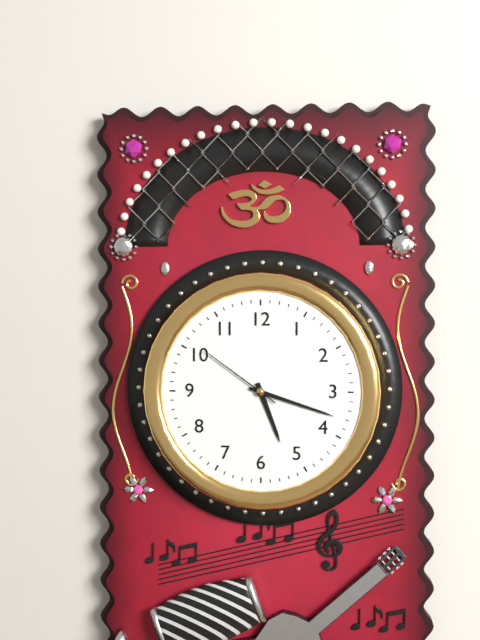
5:18:51
